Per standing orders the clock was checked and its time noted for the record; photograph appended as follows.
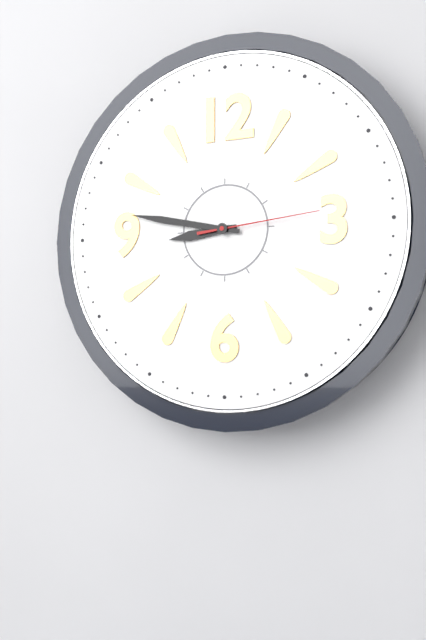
8:47:14
